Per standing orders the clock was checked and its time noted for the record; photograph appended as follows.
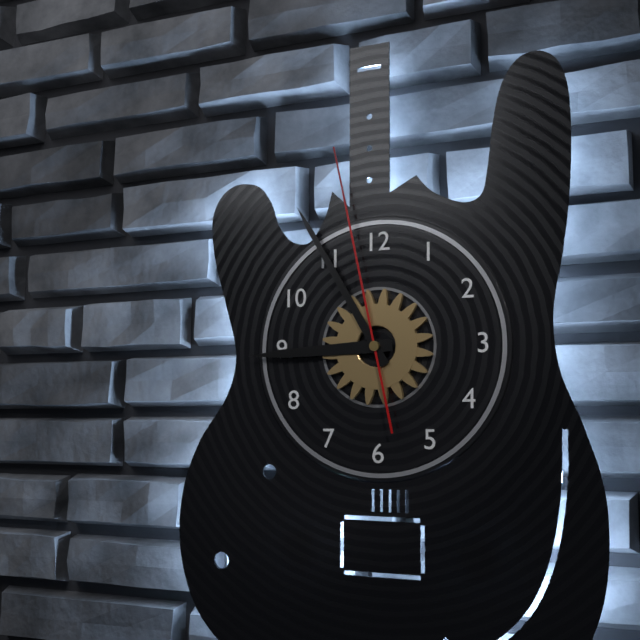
8:55:58
